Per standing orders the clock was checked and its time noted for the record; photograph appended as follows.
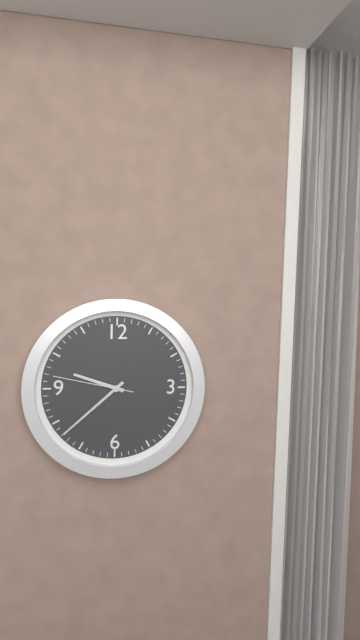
9:38:47
